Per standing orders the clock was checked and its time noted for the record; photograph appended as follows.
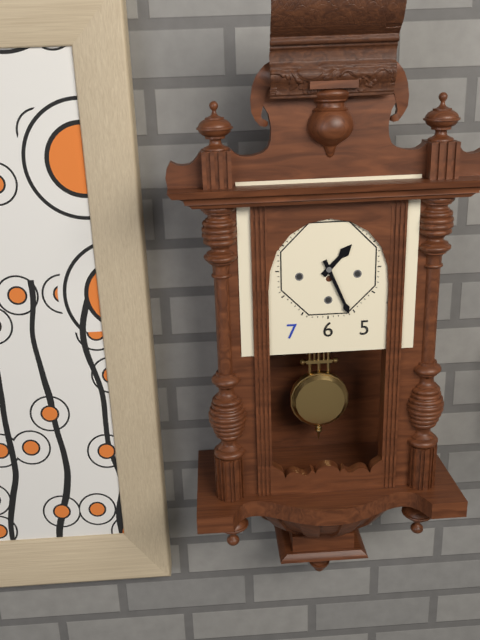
1:26
